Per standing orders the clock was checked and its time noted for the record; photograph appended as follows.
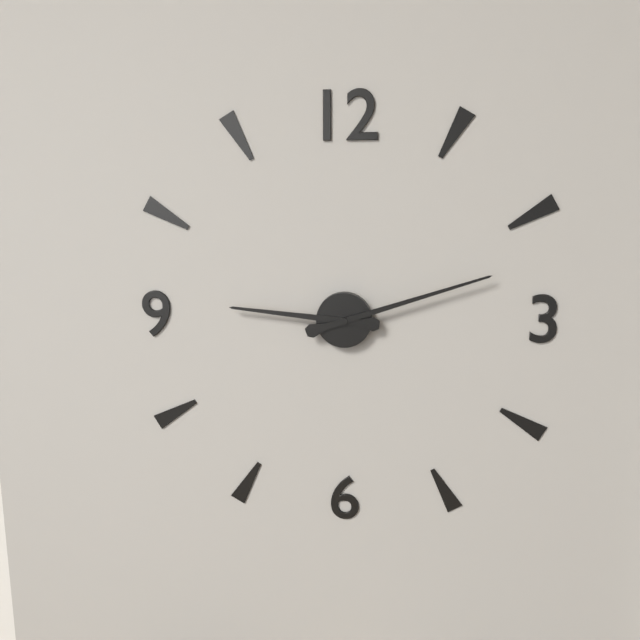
9:12
